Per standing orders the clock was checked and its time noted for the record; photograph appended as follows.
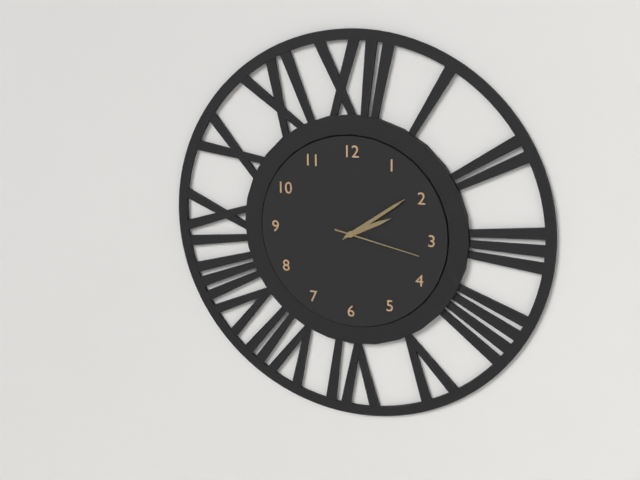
2:09:17
